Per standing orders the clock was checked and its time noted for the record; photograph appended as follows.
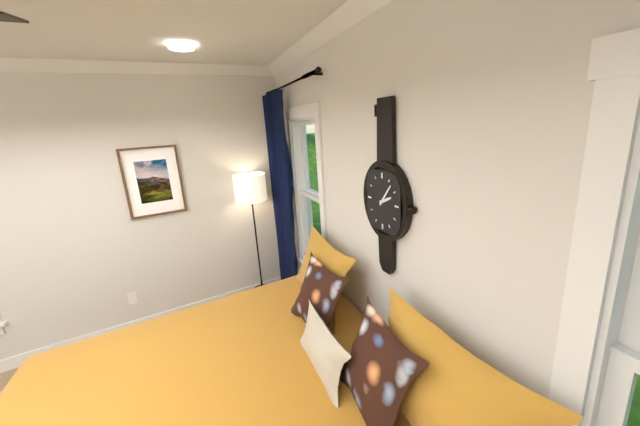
2:06
